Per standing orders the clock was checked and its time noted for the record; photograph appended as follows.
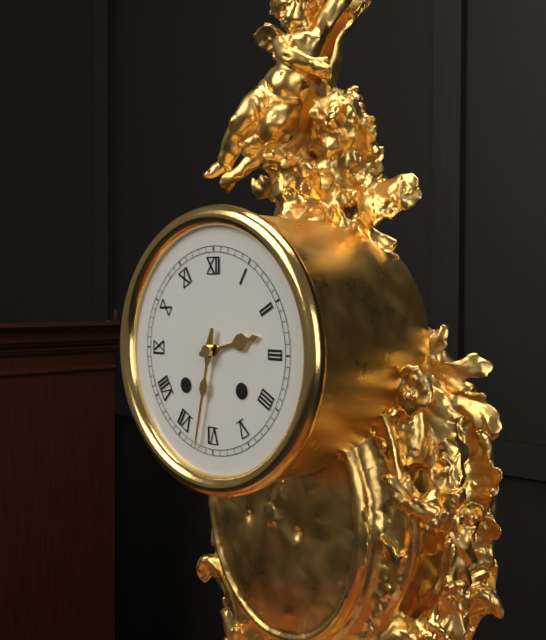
2:32
